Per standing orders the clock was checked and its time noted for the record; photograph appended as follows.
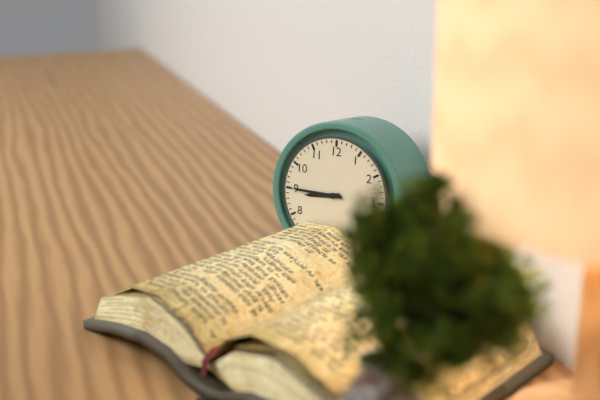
8:45
